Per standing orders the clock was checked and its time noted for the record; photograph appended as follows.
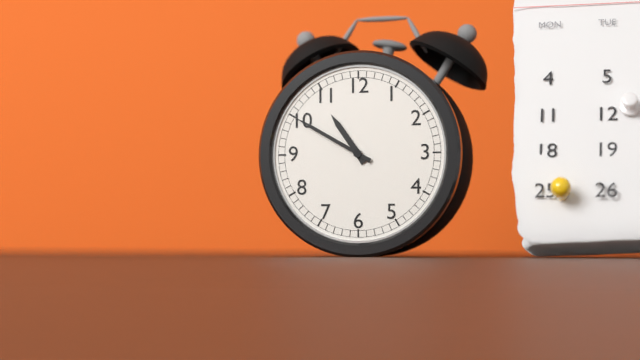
10:50
